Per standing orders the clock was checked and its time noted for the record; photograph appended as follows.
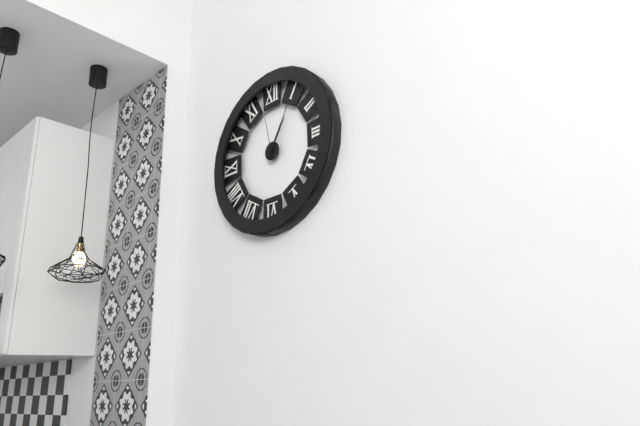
1:05
